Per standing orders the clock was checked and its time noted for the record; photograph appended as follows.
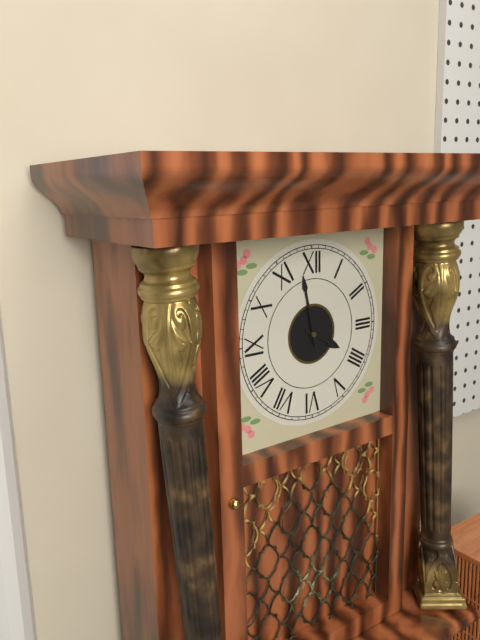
3:58
